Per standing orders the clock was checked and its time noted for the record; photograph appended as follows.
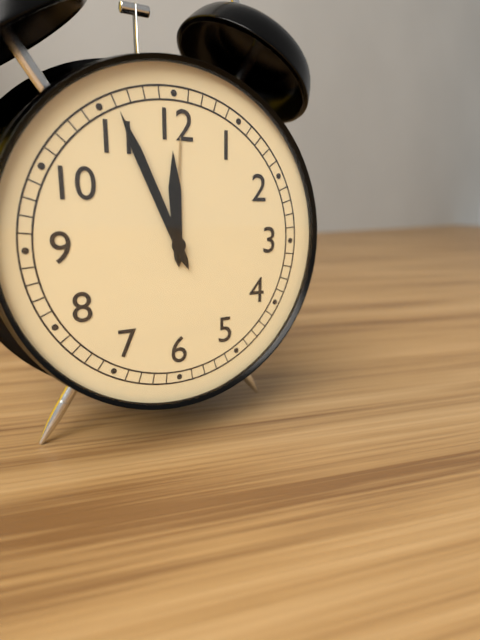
11:56
